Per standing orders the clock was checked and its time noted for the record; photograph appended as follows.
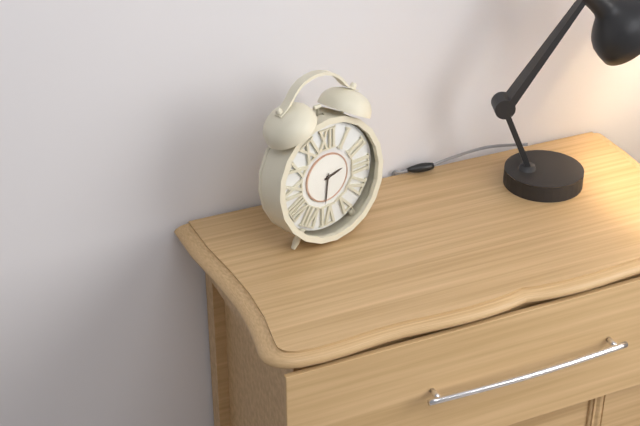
2:31
